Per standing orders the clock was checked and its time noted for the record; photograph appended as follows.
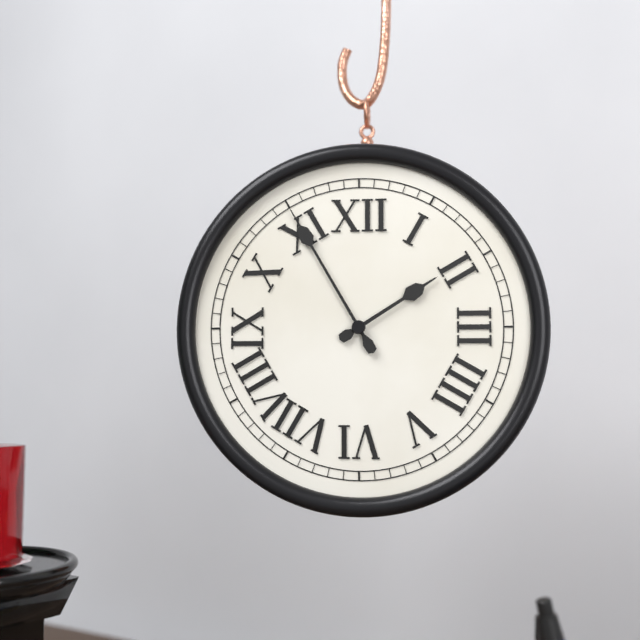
1:55
